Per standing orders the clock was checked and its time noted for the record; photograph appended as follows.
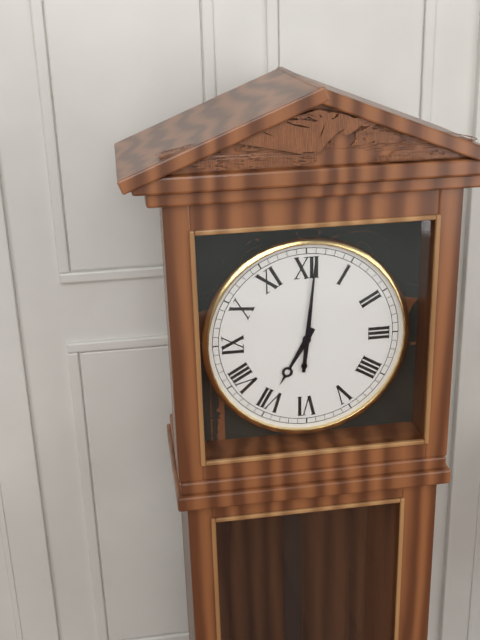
7:01
